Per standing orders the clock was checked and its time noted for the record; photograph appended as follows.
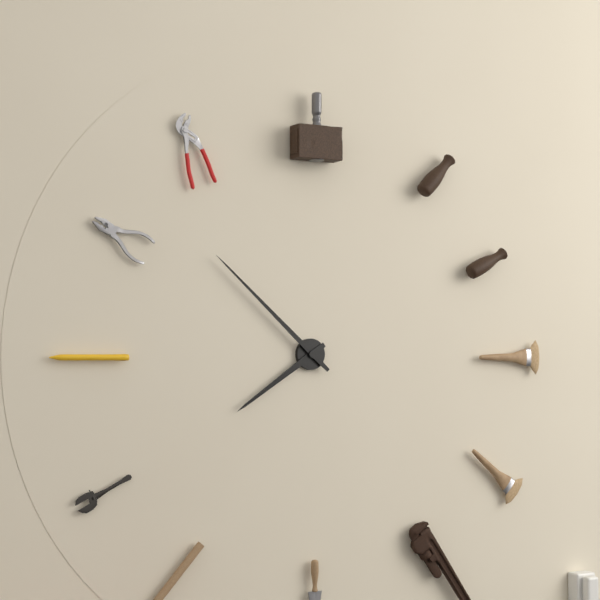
7:52
